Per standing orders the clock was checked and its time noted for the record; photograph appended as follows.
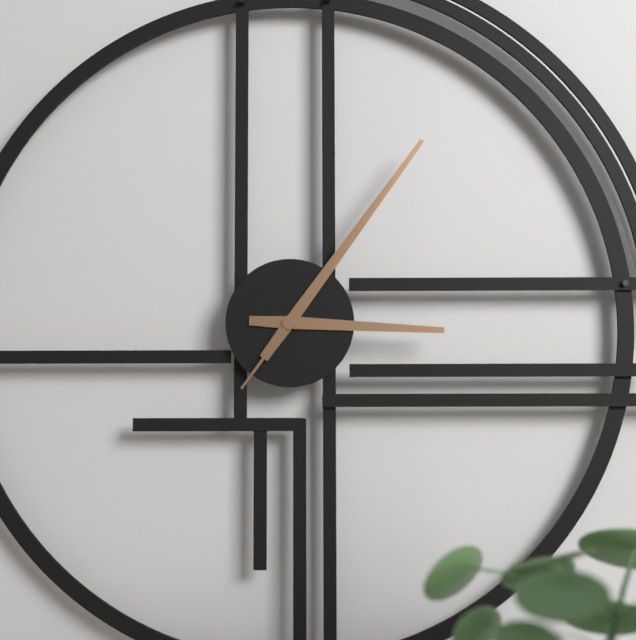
3:06:06
